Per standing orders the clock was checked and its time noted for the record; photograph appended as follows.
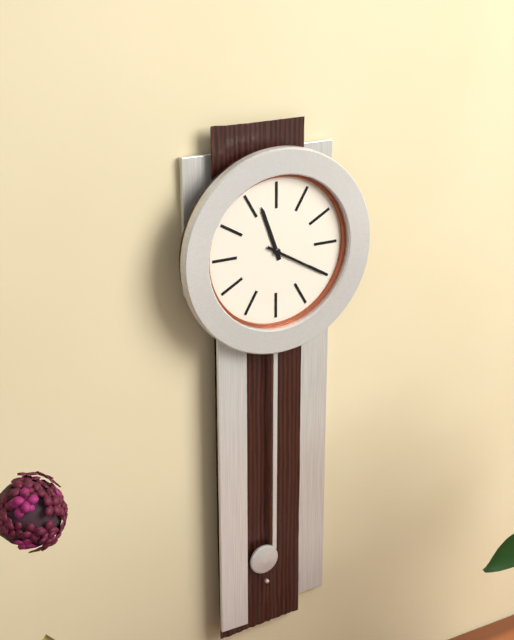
11:20
